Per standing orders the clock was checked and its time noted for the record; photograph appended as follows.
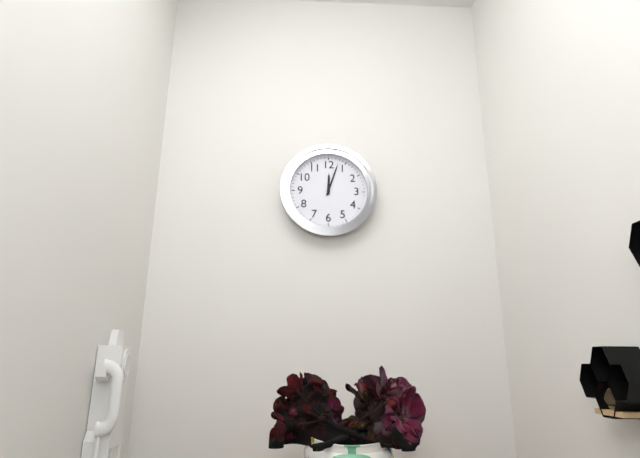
12:03
